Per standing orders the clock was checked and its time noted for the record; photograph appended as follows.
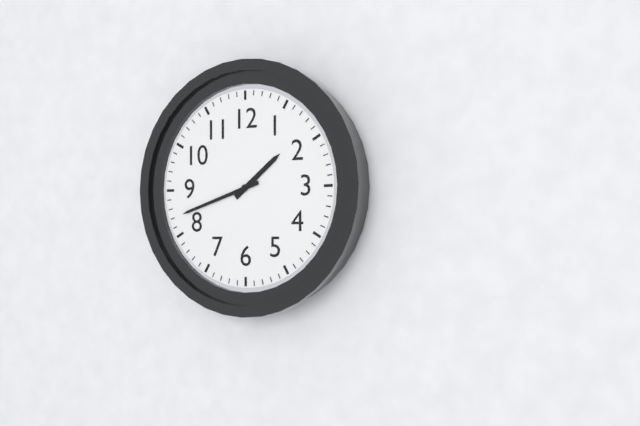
1:42
